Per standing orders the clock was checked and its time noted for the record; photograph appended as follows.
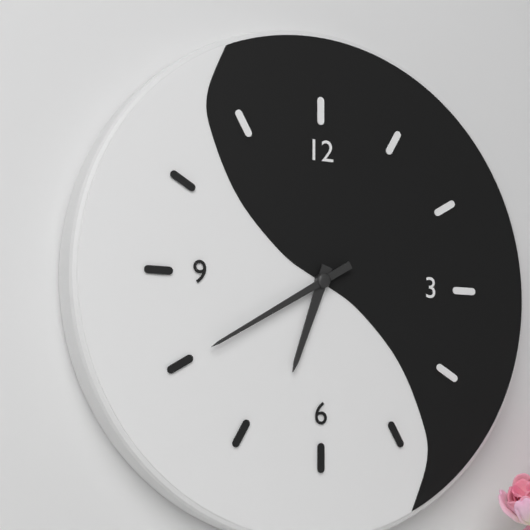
6:40
